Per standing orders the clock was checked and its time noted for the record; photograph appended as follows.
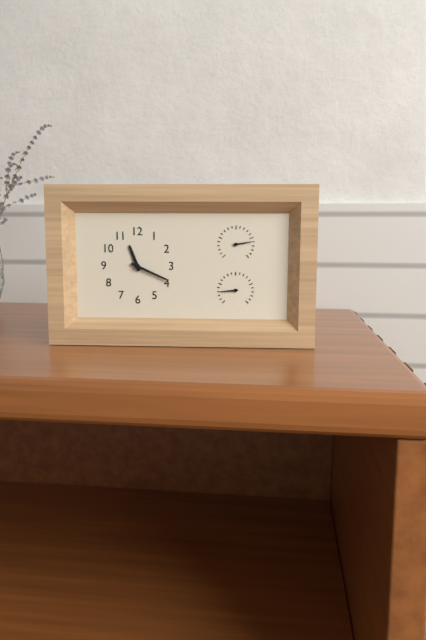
11:19
